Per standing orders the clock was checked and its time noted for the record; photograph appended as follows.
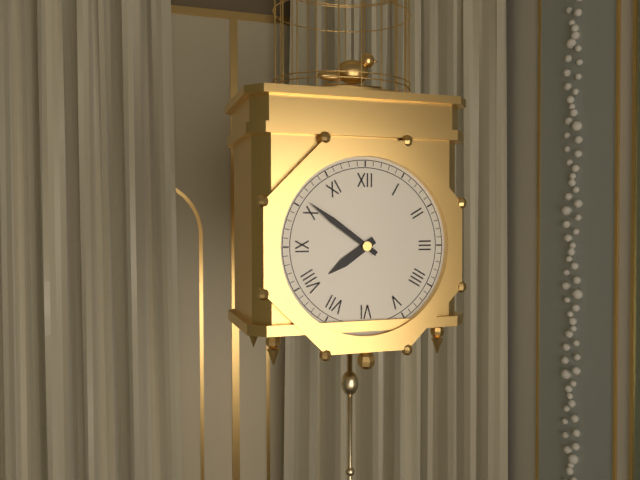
7:51
